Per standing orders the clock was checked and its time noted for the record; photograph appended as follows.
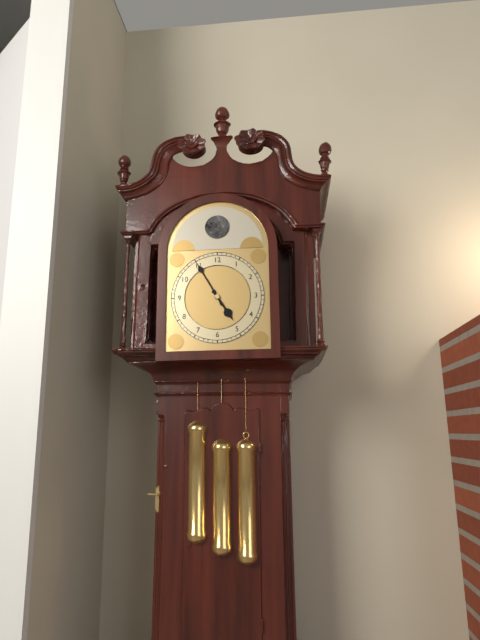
4:55
